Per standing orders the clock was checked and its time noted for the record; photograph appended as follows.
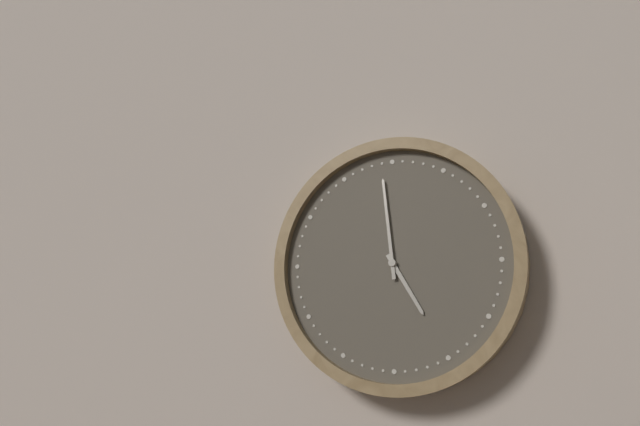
4:59
